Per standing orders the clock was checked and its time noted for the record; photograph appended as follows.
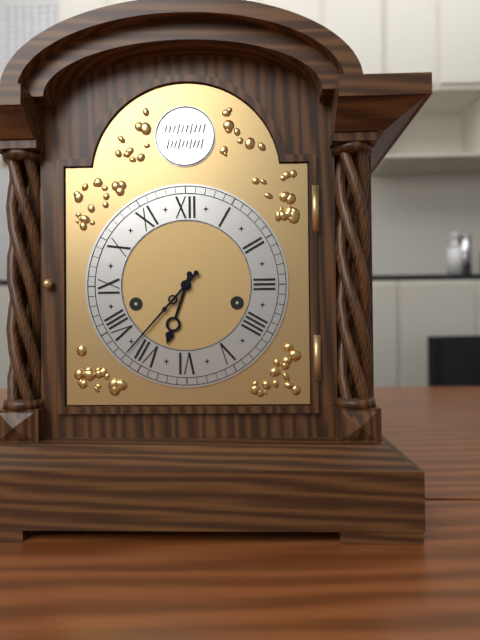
6:37
